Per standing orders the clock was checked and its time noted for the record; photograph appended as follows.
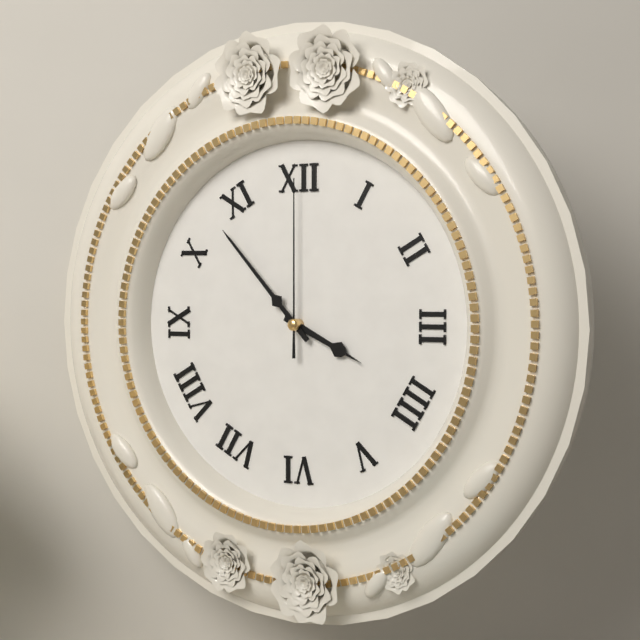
3:53:00
